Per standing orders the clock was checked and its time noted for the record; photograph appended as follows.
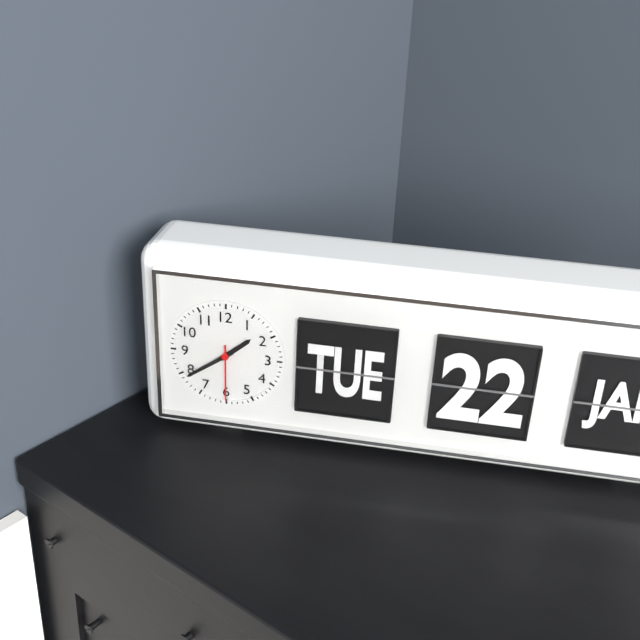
1:39:30
